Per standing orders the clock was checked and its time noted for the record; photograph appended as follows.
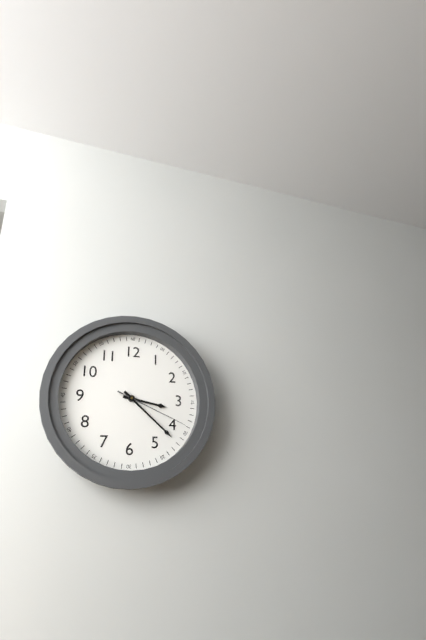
3:22:19
